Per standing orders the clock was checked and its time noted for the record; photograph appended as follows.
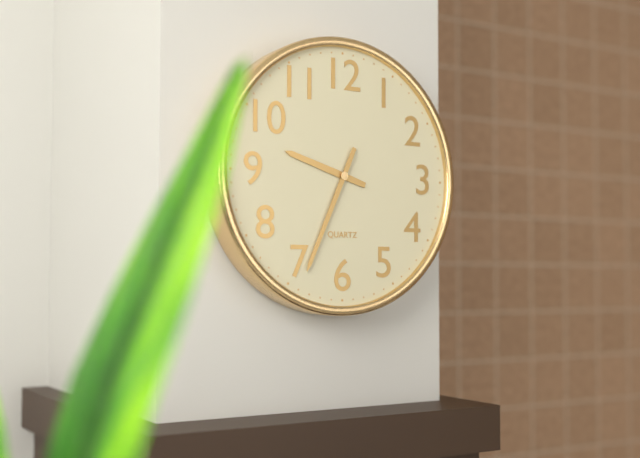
9:34
